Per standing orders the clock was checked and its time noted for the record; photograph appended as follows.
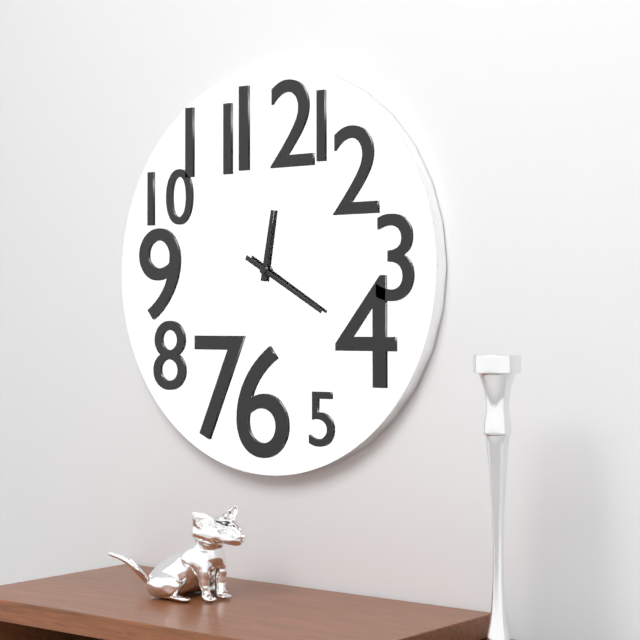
12:20
